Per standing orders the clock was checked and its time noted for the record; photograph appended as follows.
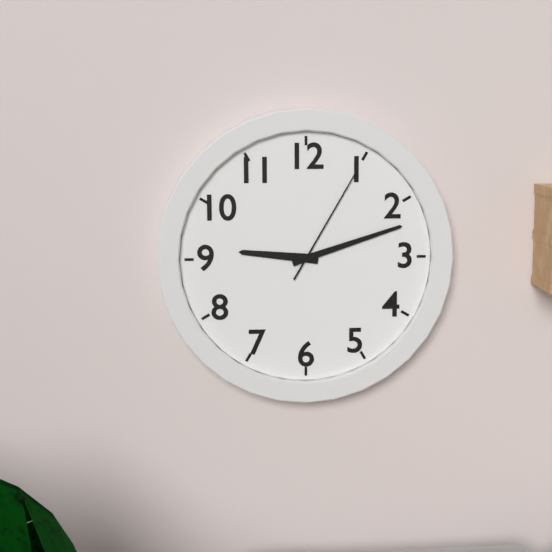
9:12:05
